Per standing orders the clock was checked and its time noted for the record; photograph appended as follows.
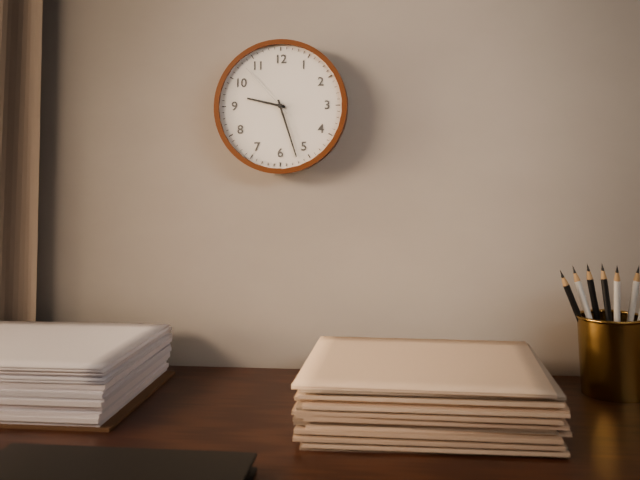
9:27:53
